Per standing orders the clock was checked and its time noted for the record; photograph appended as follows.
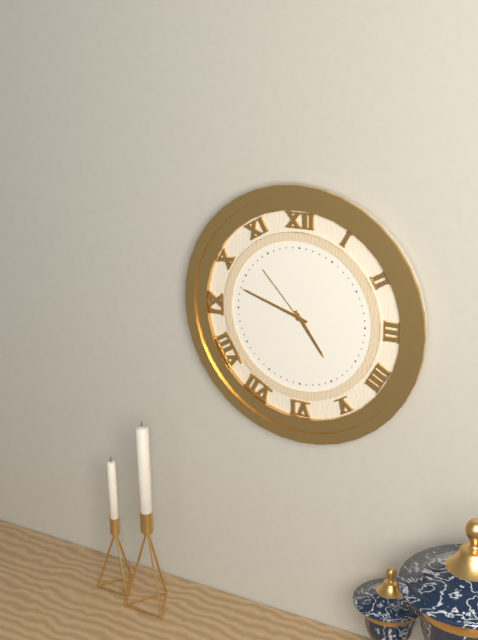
4:48:53
